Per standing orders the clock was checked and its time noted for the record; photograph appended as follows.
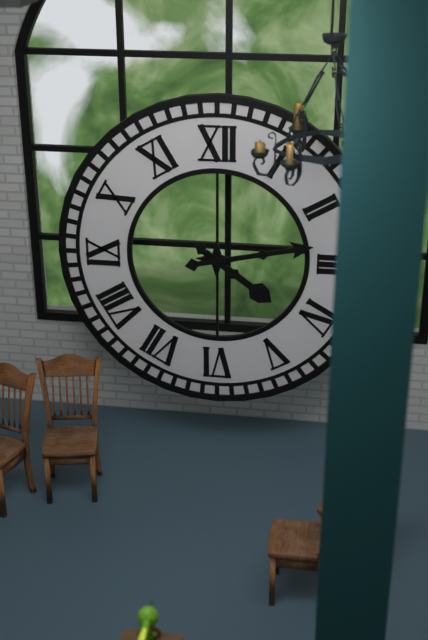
4:13
